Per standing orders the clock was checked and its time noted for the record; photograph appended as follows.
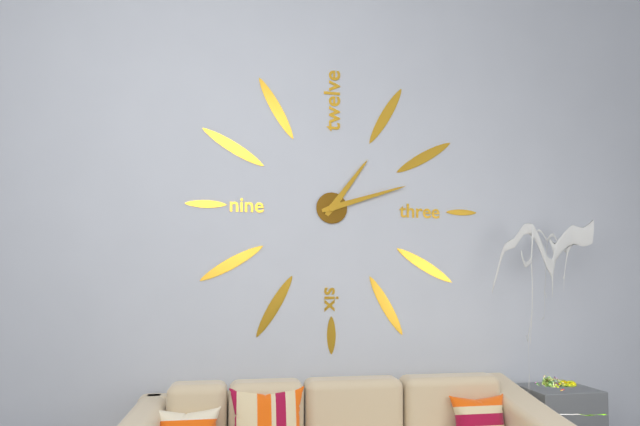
1:12
